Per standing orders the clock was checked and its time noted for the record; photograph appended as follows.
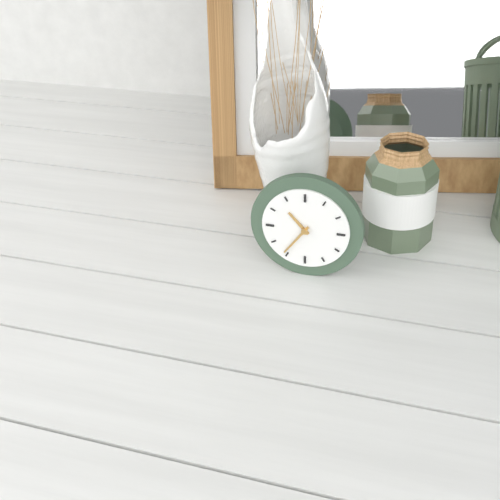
10:36
